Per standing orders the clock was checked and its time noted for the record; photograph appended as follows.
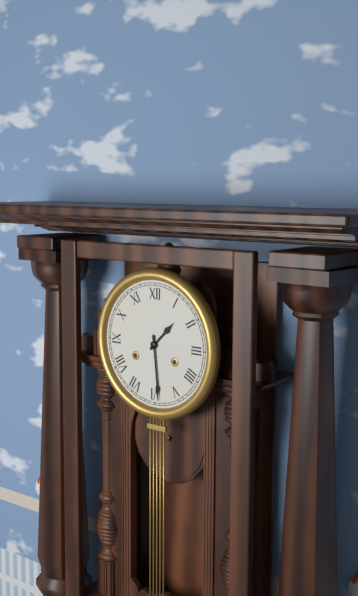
1:29
